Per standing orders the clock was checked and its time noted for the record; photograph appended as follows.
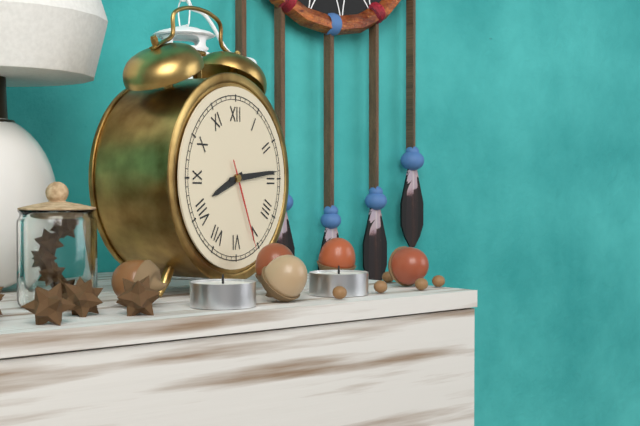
8:14:26
